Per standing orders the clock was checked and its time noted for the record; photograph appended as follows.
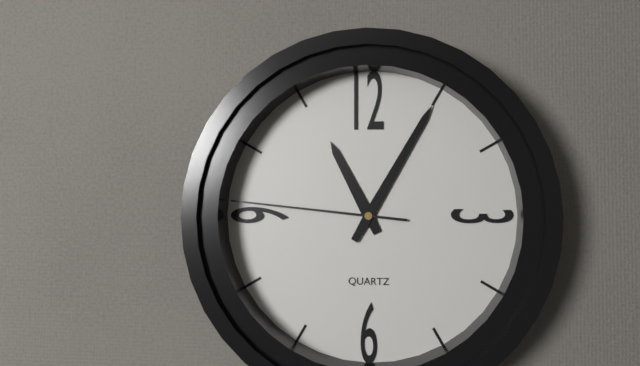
11:05:46
